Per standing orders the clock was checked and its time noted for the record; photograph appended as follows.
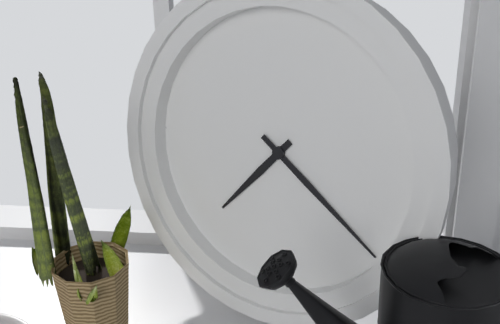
7:21
